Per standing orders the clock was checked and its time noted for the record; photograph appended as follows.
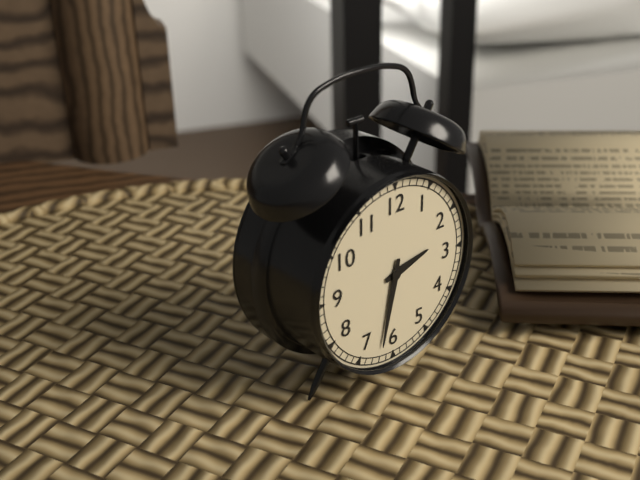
2:32
